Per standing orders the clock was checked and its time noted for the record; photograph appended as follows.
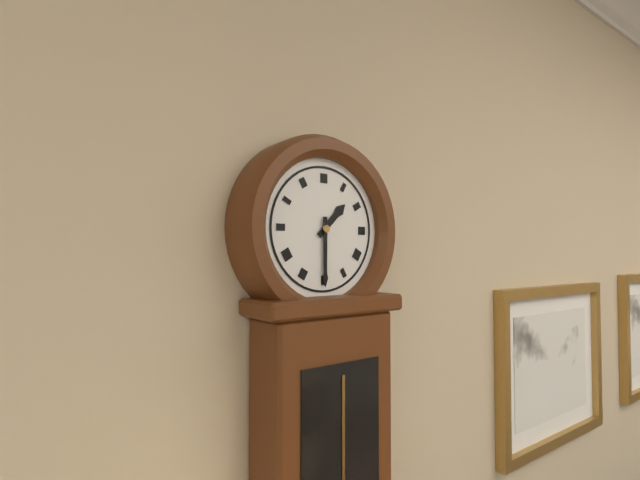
1:30
